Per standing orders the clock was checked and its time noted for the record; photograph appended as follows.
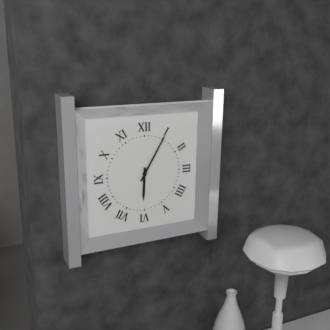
6:05
